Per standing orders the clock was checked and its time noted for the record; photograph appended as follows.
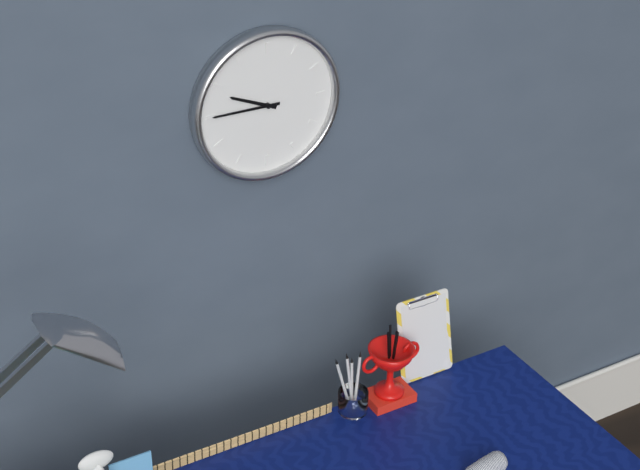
9:45
